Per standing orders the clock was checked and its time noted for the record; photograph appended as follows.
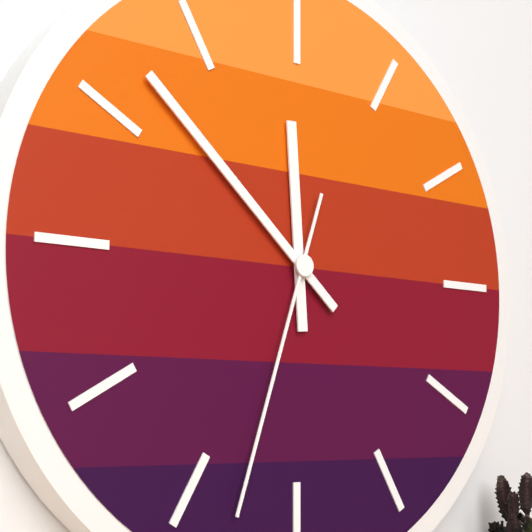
11:52:33
